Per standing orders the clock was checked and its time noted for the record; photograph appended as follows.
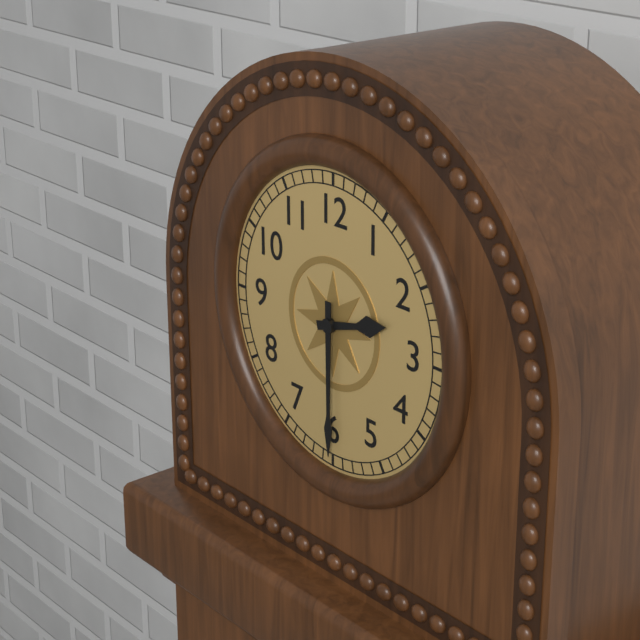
2:30
